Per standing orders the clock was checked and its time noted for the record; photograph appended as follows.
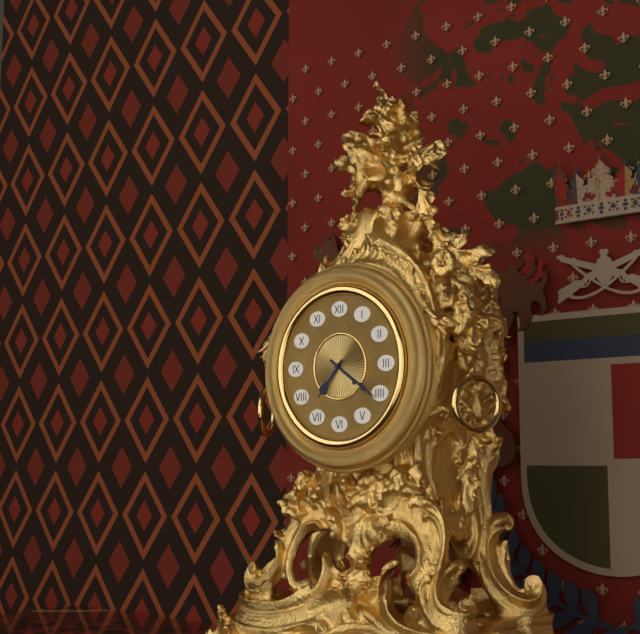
7:21
